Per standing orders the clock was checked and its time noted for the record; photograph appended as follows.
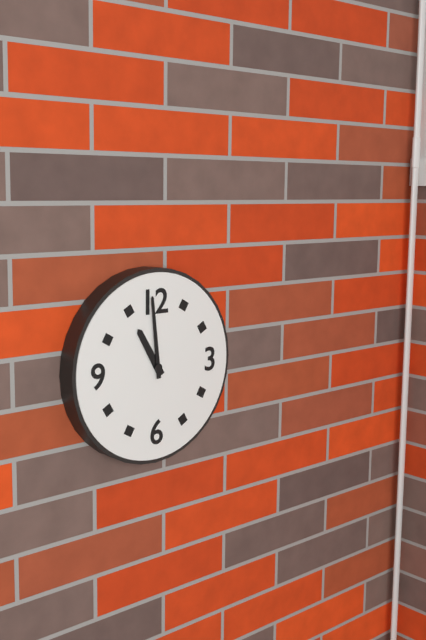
10:59
